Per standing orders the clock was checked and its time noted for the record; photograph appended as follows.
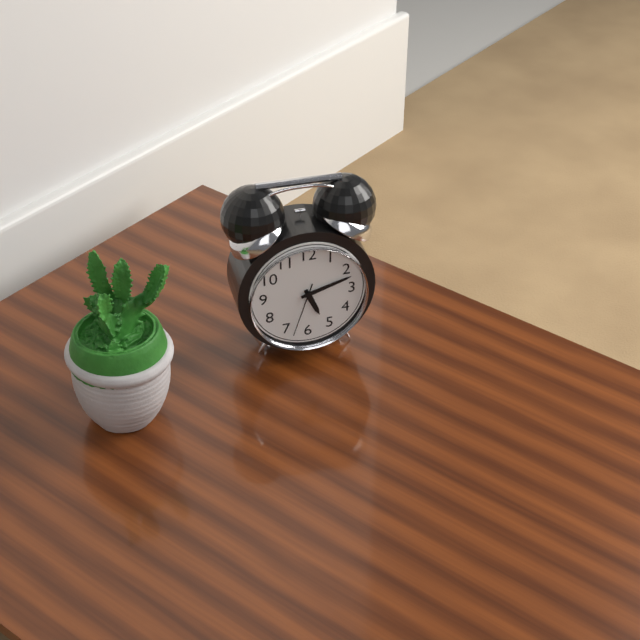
5:12:33
